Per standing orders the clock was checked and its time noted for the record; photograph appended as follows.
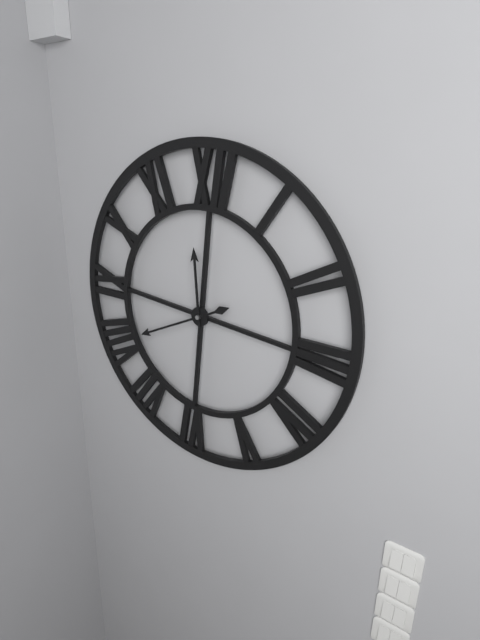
11:40
